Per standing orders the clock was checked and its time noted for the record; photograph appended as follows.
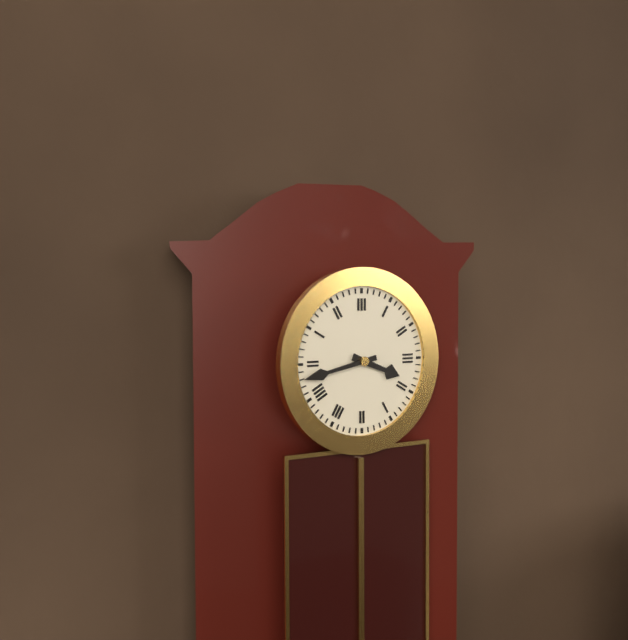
3:43
